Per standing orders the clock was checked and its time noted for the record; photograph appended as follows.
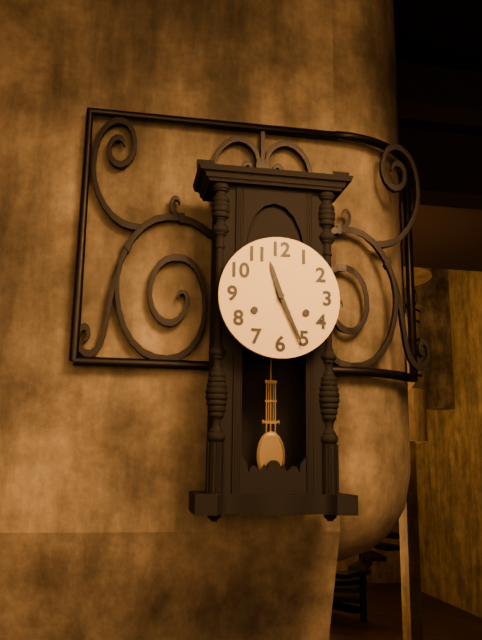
11:26
